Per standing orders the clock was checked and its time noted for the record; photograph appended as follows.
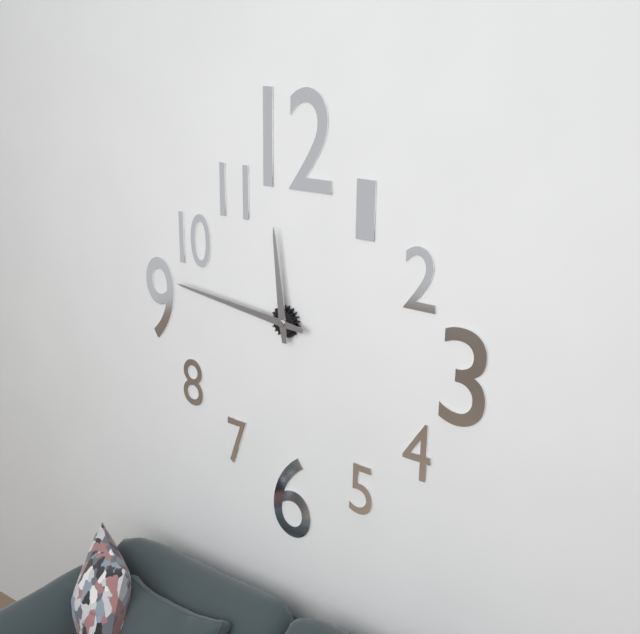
11:46
